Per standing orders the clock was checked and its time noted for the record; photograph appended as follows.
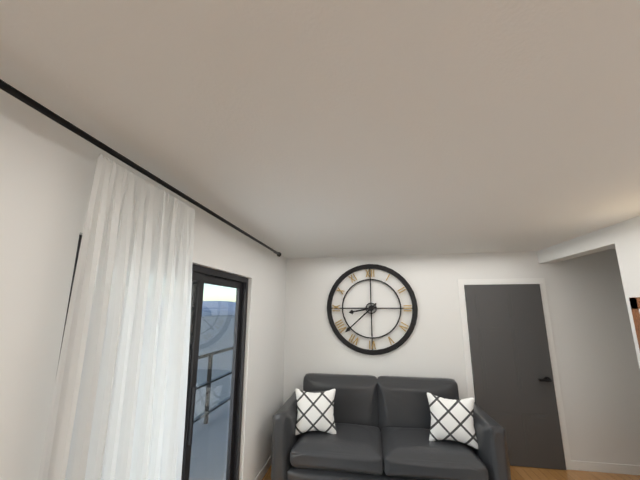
8:38
